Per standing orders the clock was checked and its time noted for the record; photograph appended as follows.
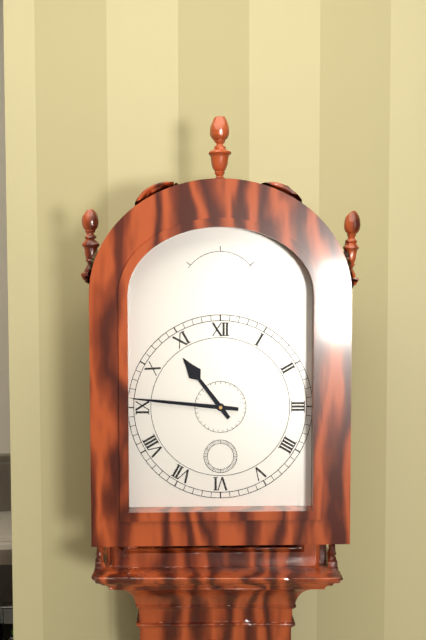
10:46
